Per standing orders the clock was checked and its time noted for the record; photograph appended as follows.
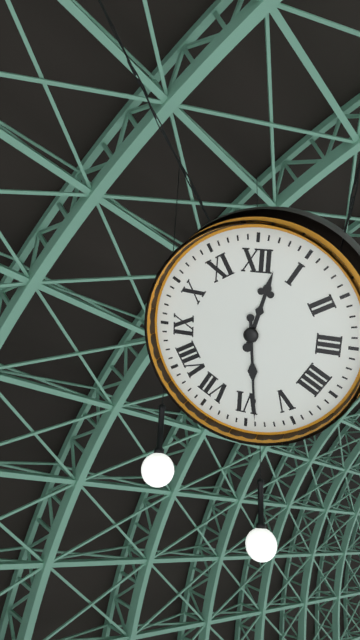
12:29
